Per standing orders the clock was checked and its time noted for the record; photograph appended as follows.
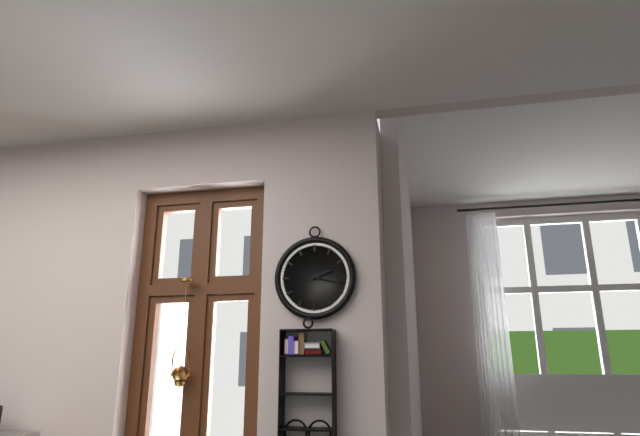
2:17
